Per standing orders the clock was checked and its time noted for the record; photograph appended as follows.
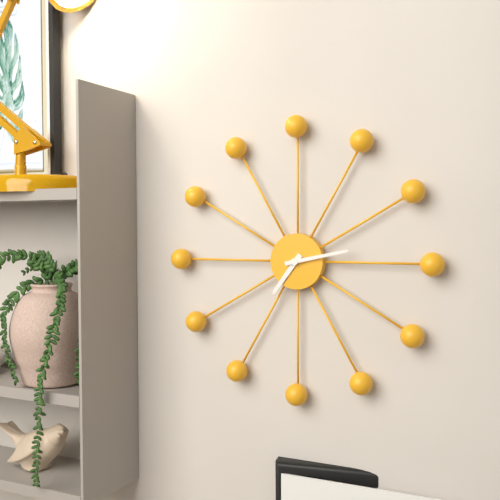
7:13
